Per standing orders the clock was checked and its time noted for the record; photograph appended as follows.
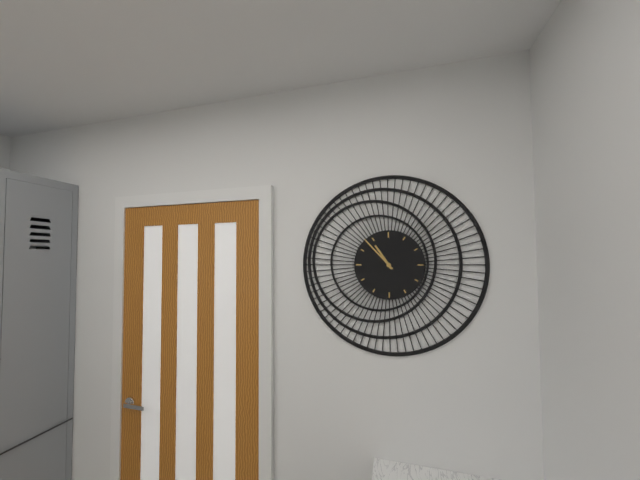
10:53
